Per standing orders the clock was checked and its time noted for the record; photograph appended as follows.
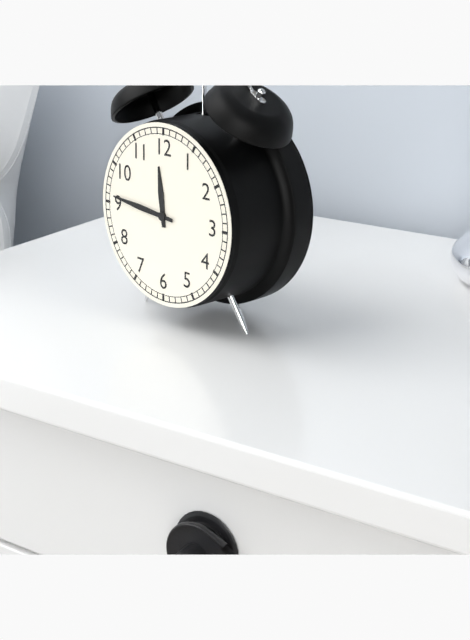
11:46
